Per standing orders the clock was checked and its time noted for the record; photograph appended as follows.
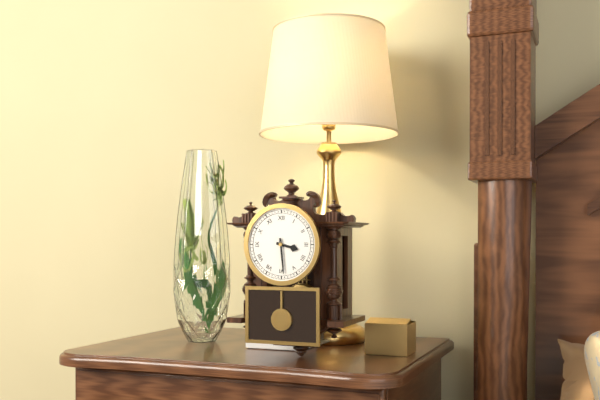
3:29
